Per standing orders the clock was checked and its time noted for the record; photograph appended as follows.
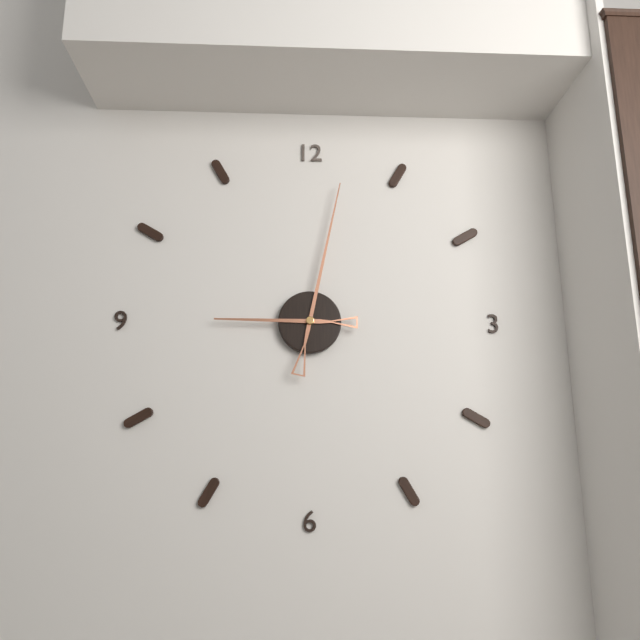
9:02
